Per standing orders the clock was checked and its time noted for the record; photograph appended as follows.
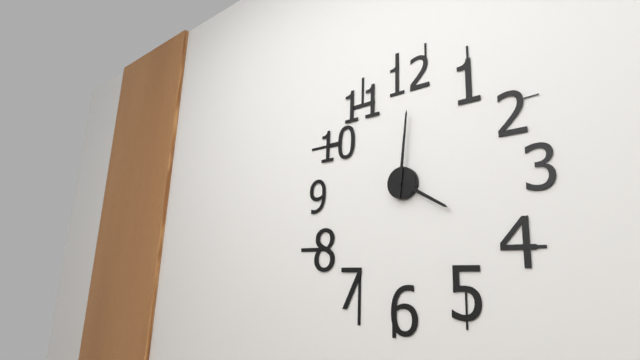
4:01
